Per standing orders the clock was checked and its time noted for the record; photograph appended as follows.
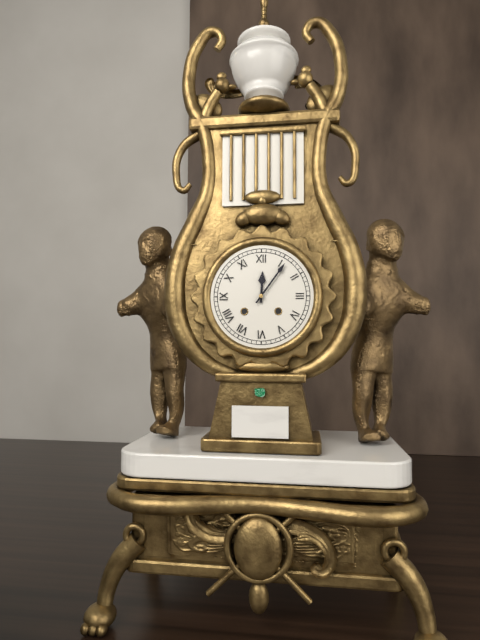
12:06
